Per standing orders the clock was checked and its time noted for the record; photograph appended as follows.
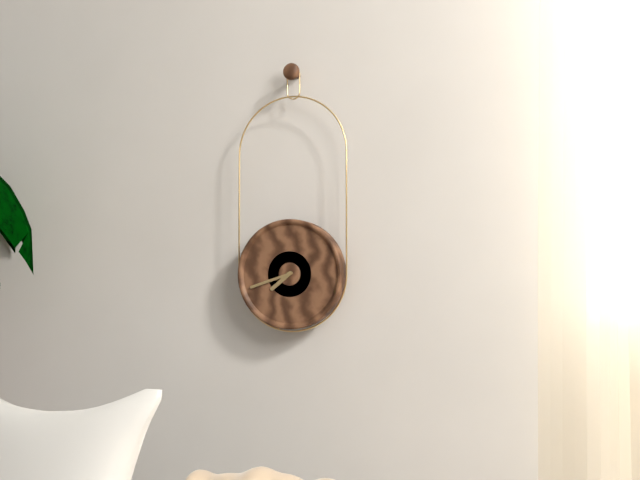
7:42
